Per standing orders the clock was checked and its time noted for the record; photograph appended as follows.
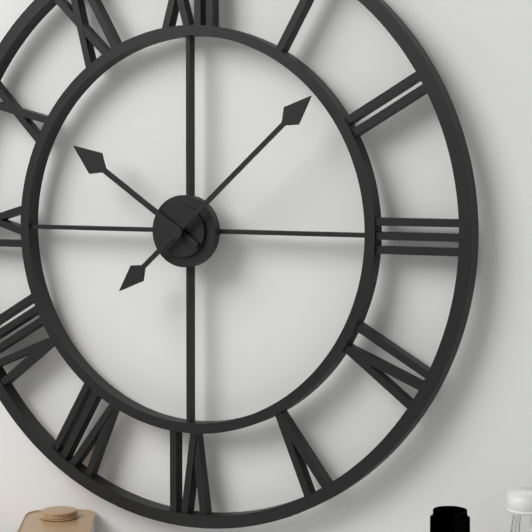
10:08
